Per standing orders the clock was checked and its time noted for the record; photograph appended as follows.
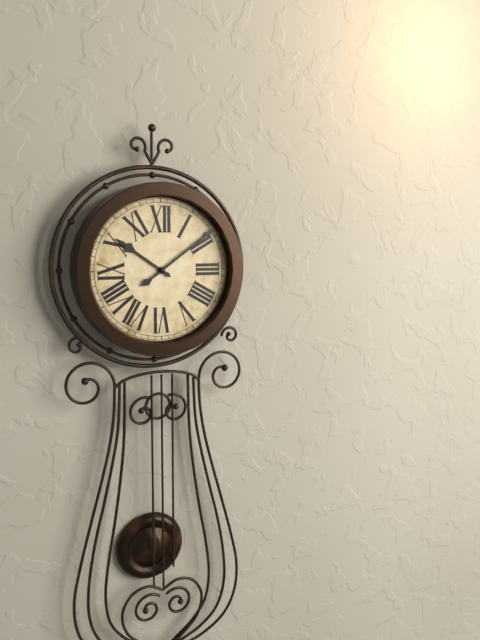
10:09
